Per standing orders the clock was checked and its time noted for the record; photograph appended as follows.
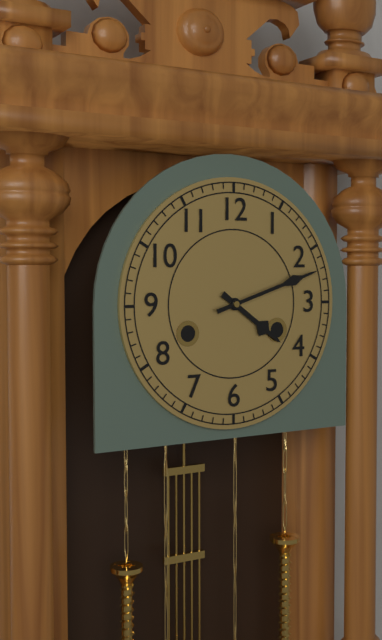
4:12
